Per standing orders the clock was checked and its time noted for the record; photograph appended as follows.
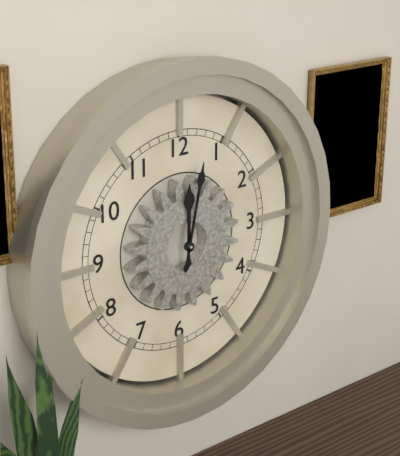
12:02
